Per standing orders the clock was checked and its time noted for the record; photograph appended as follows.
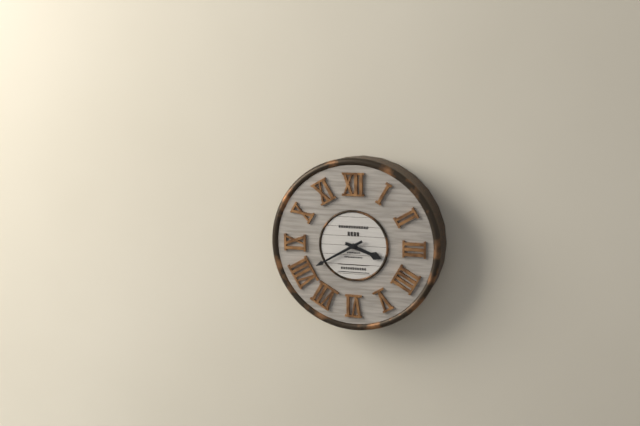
3:40
